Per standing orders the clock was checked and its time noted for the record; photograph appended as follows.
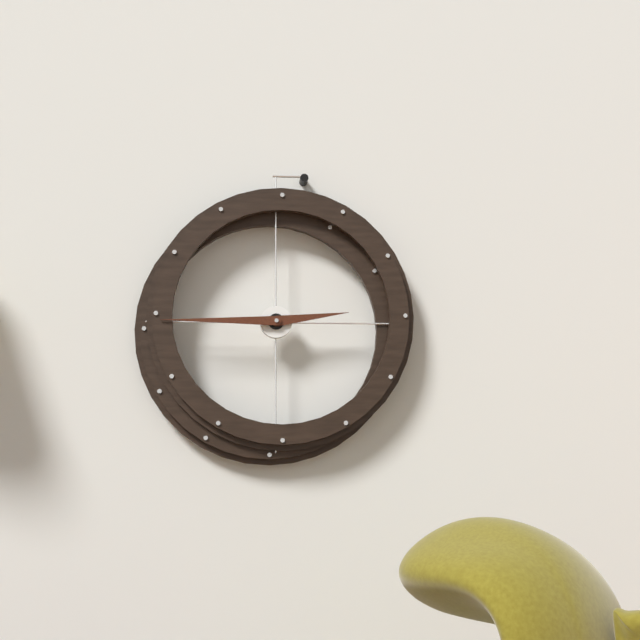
2:45
